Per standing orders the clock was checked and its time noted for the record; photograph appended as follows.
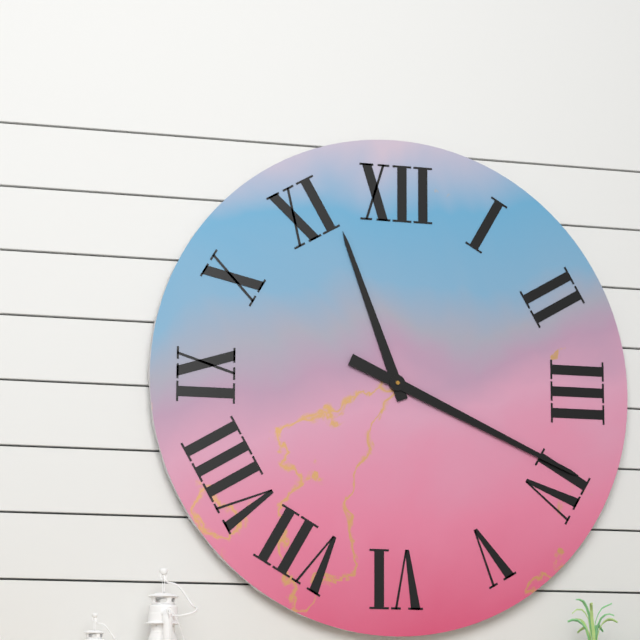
11:19
